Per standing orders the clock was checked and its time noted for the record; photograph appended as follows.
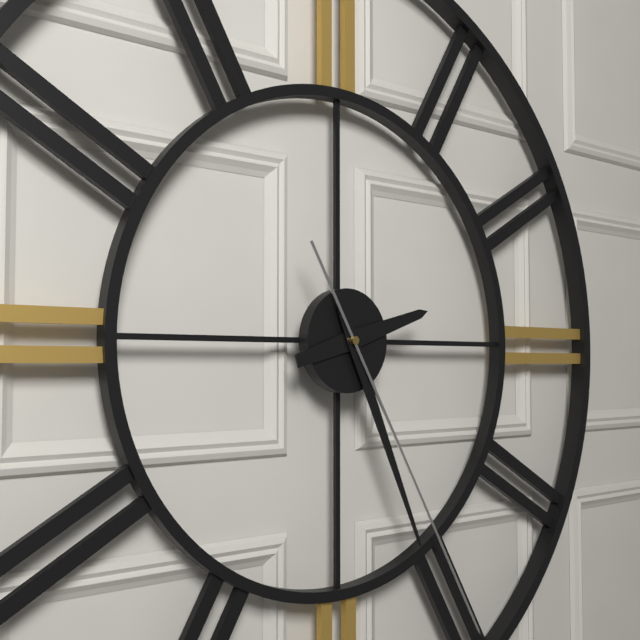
2:26:25
